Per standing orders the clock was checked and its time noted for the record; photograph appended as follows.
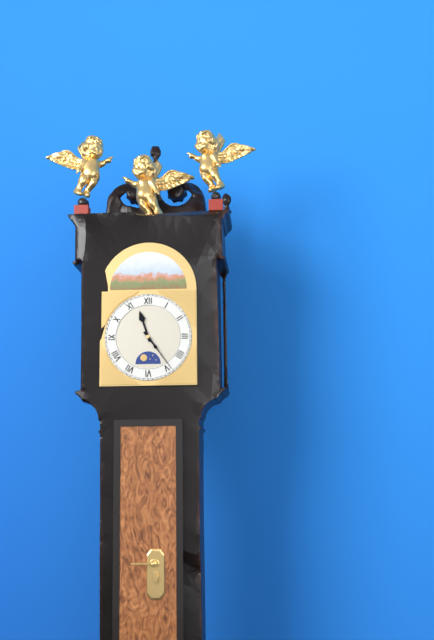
11:24
